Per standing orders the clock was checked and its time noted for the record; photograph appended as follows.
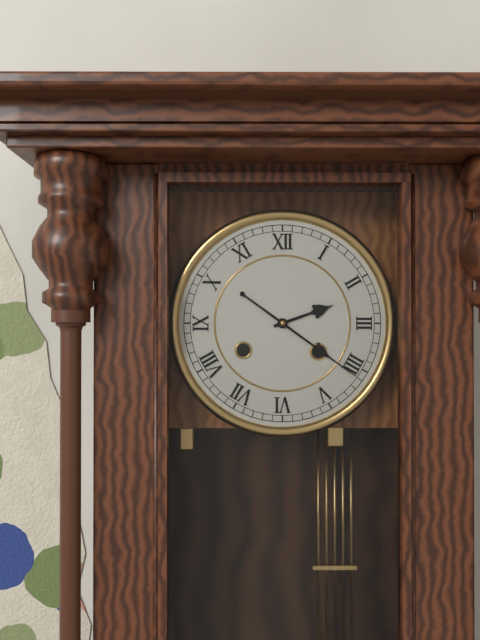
2:21
